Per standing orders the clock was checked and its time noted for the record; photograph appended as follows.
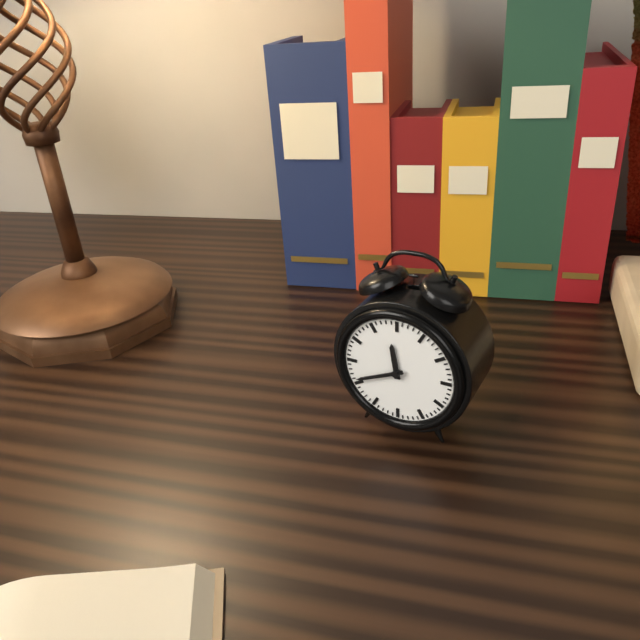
11:41
